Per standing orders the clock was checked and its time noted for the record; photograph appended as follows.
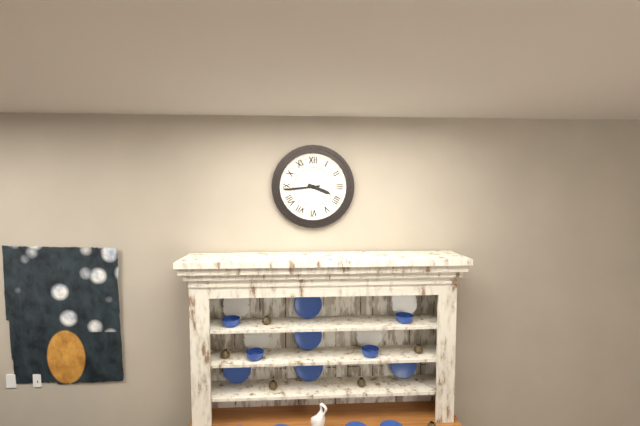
3:44
